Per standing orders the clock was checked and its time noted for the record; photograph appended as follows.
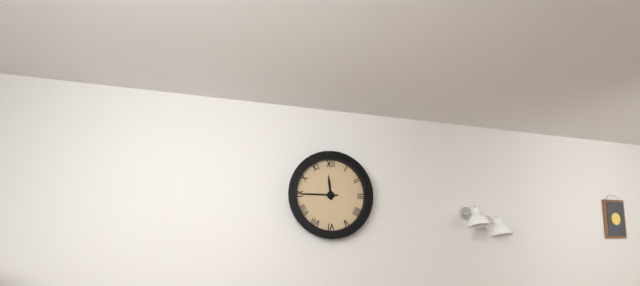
11:45
